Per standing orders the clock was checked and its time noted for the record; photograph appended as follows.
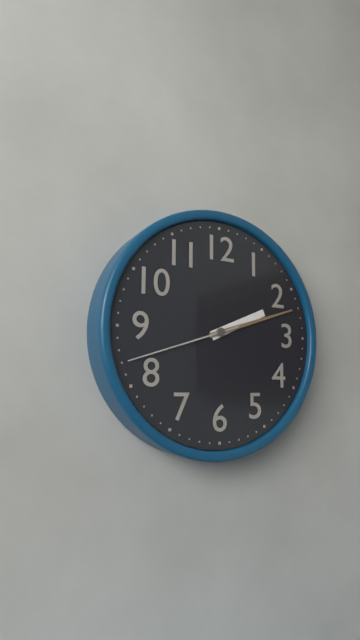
2:12:42
